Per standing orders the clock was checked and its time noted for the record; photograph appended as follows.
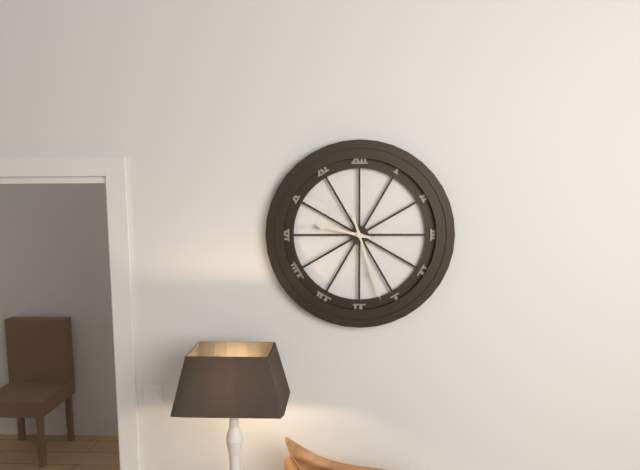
9:27
